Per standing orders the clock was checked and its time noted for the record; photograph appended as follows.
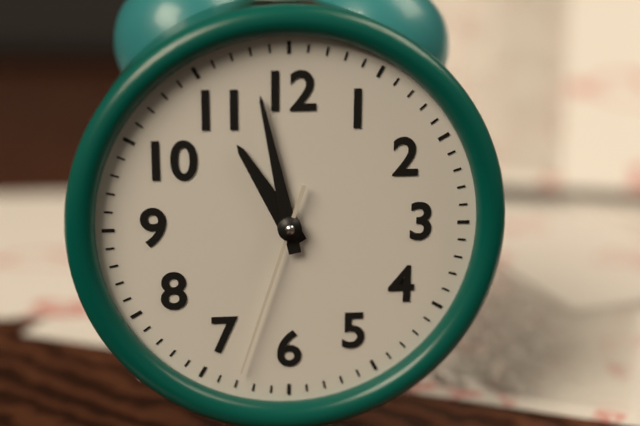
10:58:33
